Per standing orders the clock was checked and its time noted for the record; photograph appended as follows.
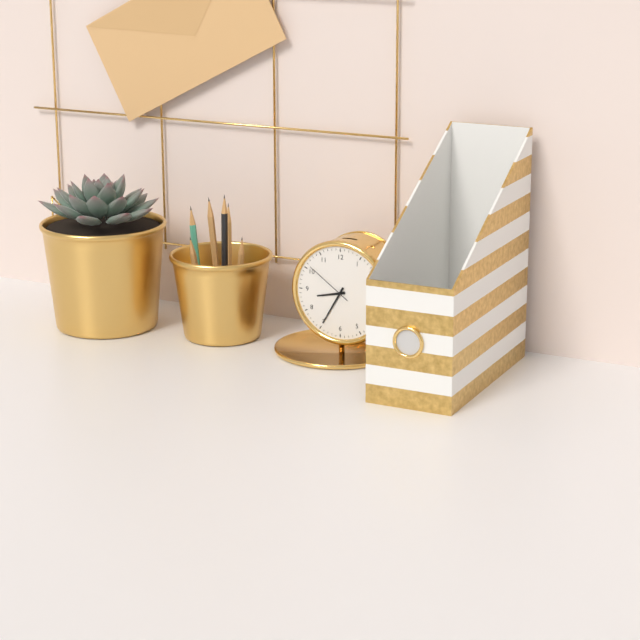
8:35
